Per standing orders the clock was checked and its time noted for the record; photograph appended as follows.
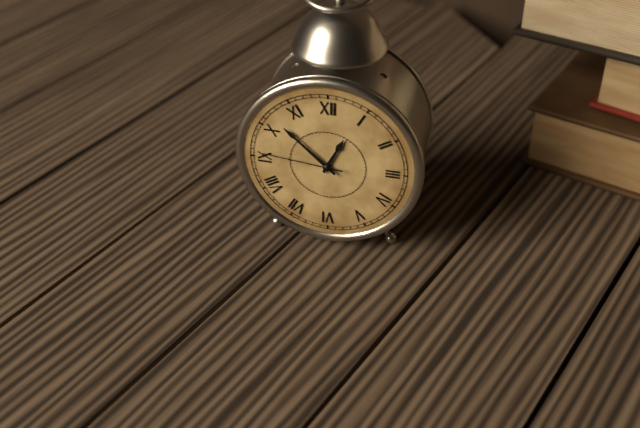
12:52:46
